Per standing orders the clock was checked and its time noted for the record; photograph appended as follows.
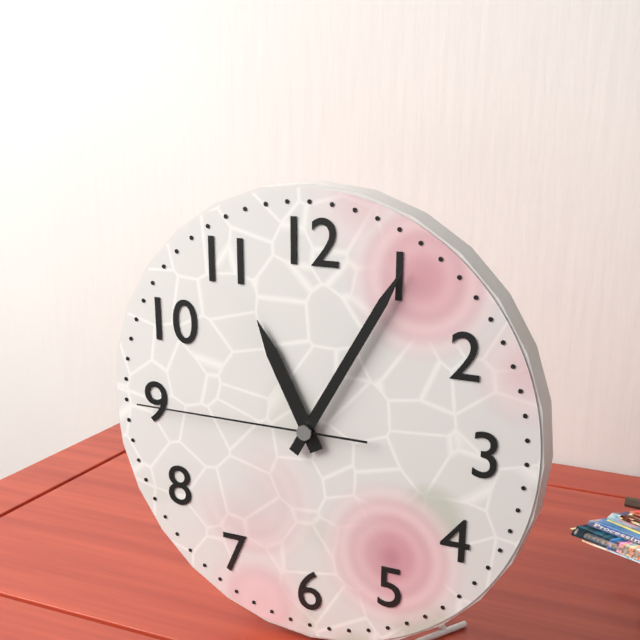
11:05:45
